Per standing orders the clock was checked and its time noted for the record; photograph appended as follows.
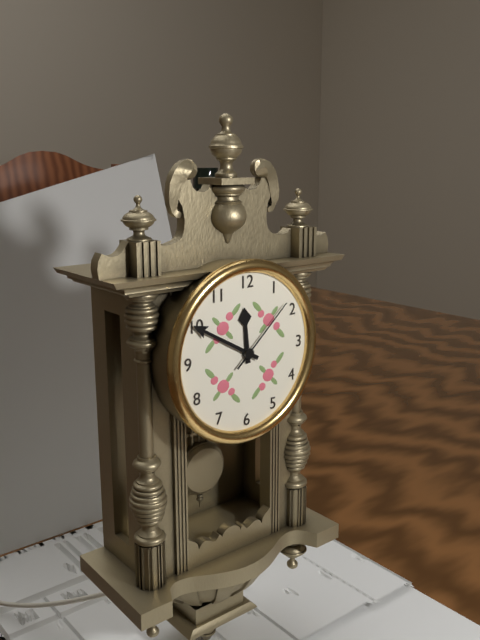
11:50:08
